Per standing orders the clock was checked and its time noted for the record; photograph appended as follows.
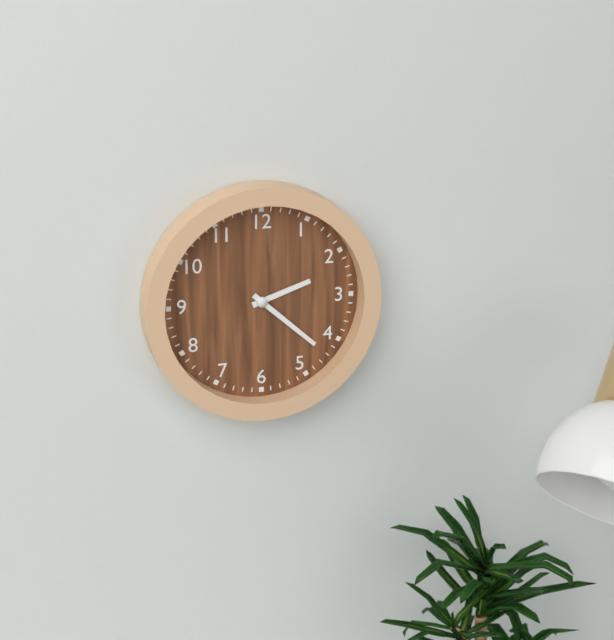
2:22
